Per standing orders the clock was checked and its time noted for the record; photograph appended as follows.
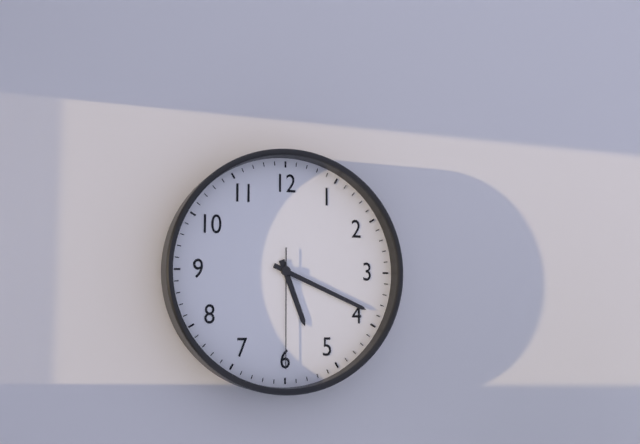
5:19:30
